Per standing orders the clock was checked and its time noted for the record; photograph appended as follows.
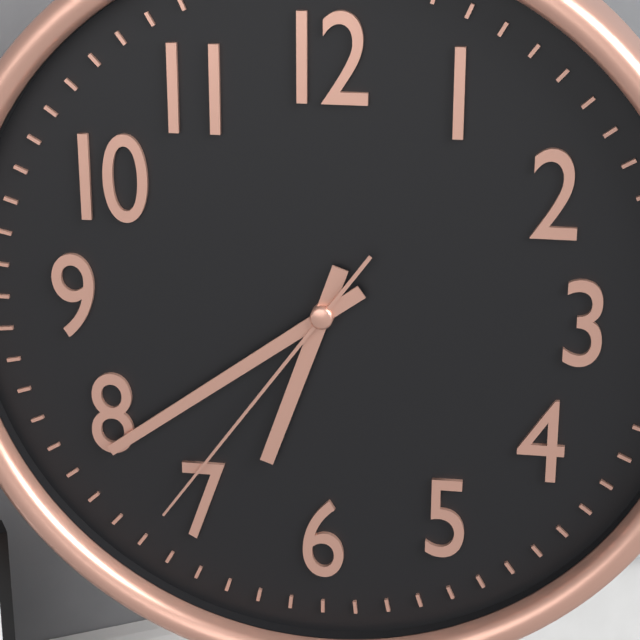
6:39:36
